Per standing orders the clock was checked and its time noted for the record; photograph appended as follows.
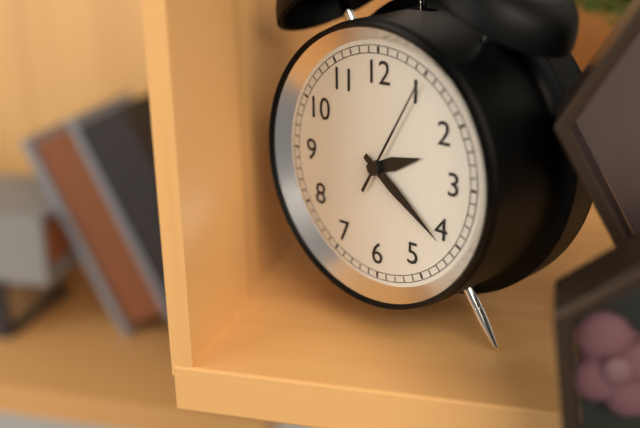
2:21:05
